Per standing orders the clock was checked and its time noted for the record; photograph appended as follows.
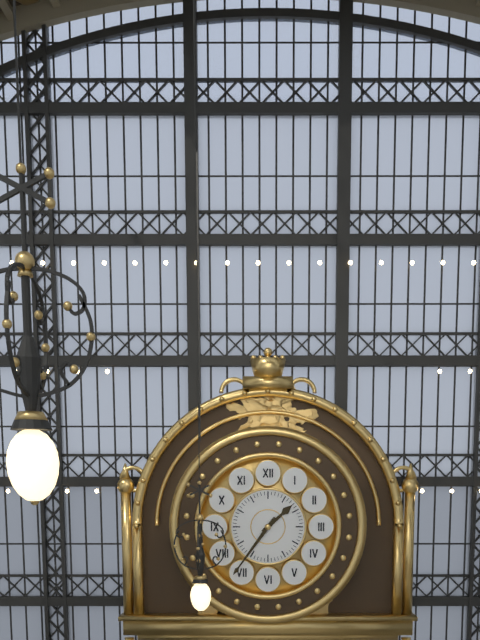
1:36
